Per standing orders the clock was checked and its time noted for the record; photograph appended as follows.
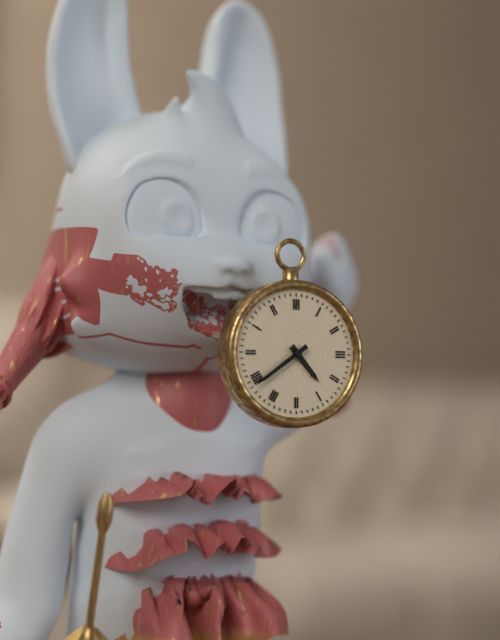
4:39
